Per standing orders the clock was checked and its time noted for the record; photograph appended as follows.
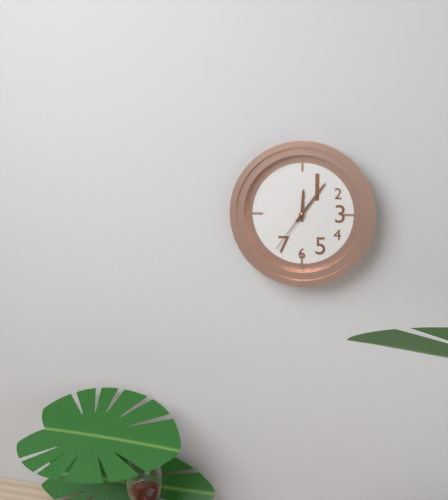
12:06:36
